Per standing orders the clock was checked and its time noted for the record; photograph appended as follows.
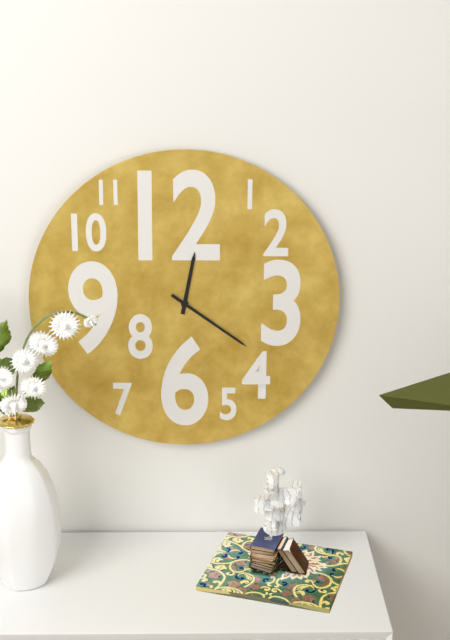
12:21
